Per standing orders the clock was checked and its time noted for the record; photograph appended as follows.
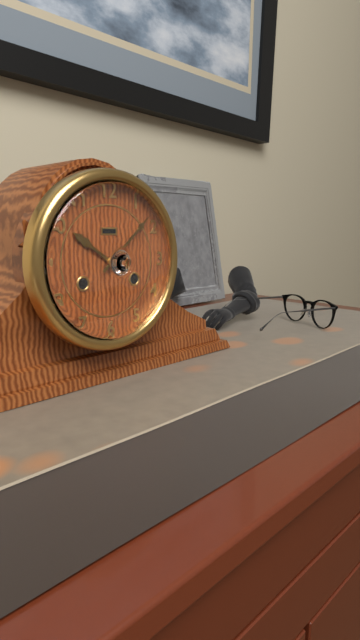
10:08
